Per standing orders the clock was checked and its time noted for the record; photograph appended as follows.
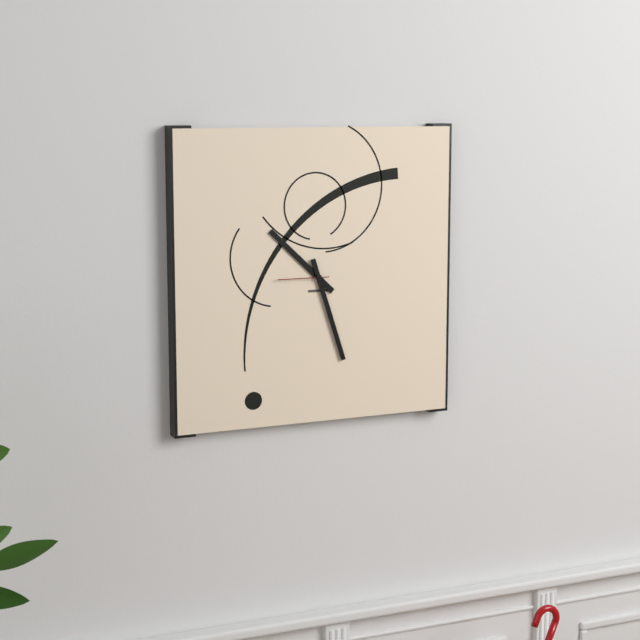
10:27:45
